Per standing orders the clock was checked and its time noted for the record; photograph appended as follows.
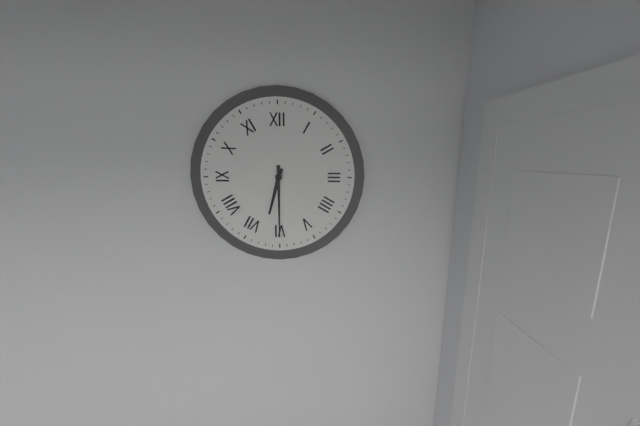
6:30
